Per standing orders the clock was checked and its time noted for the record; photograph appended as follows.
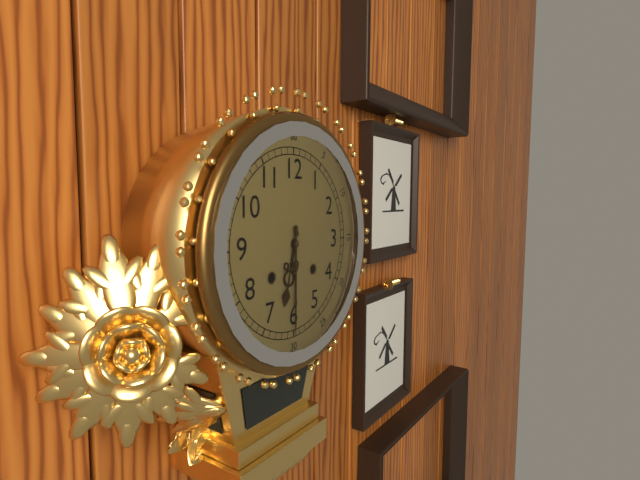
6:30
